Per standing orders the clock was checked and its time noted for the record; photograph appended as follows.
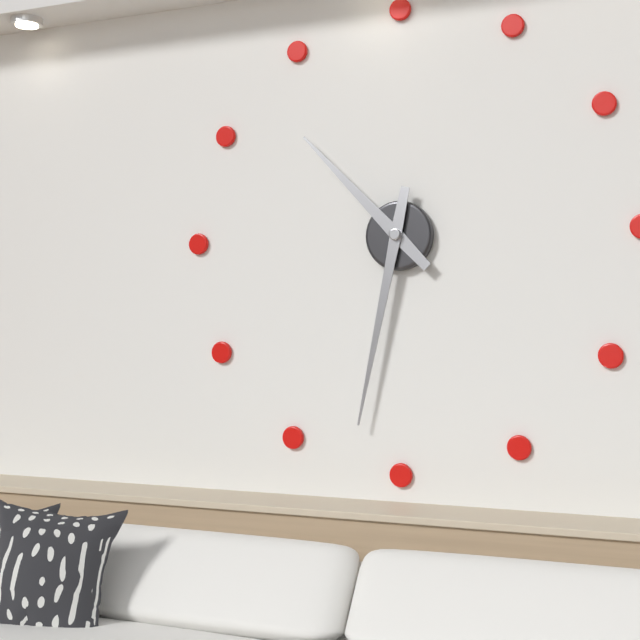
10:32
